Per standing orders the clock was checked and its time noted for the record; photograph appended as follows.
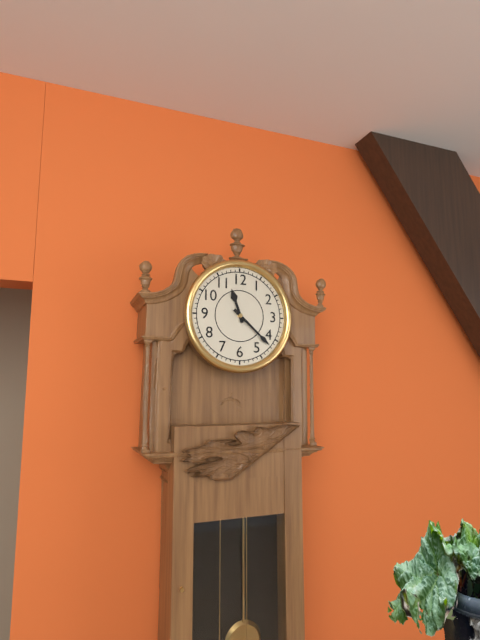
11:22
